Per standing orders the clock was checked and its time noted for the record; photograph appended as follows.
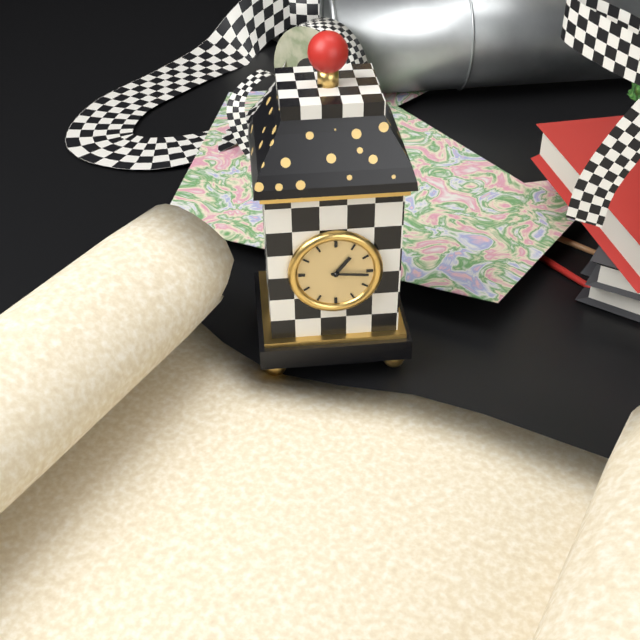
1:16
